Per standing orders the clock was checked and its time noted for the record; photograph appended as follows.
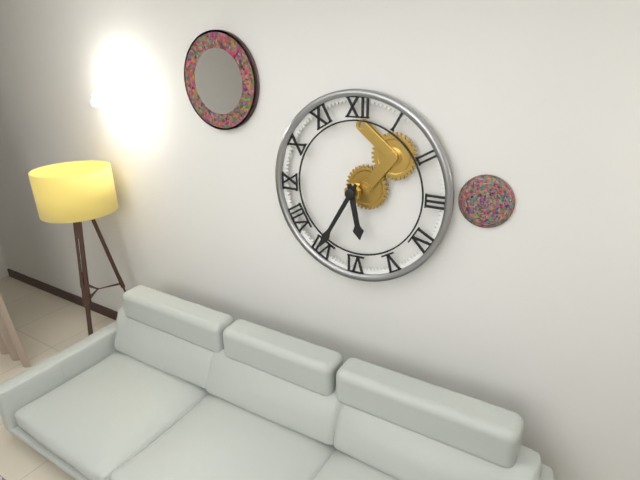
5:35
